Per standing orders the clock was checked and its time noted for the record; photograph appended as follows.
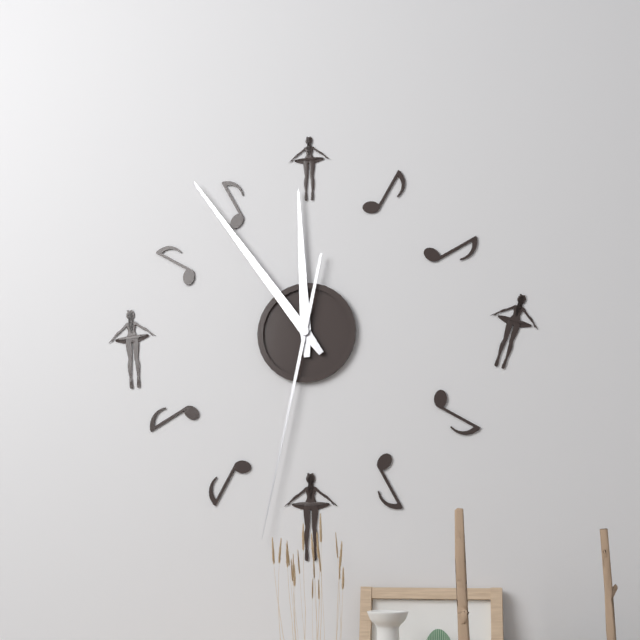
11:54:32
